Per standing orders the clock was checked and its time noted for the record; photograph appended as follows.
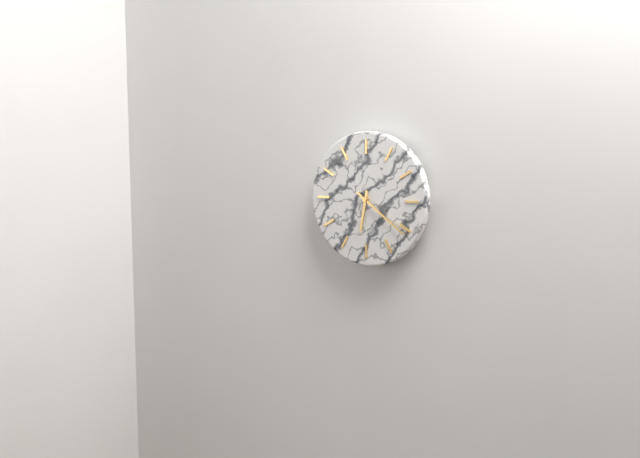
6:21
